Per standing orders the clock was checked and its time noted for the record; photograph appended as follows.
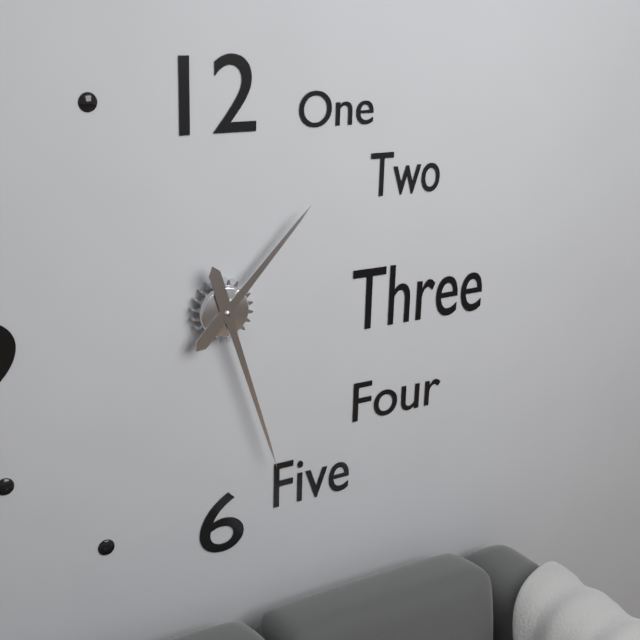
1:27
